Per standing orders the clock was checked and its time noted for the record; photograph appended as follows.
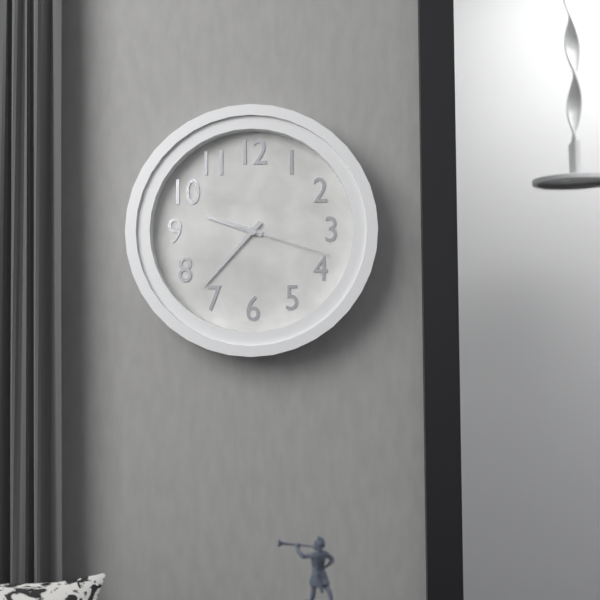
9:37:18
